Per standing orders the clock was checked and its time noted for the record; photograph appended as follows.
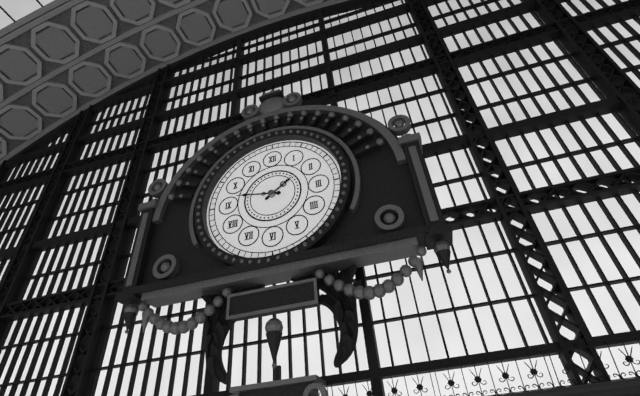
1:47
